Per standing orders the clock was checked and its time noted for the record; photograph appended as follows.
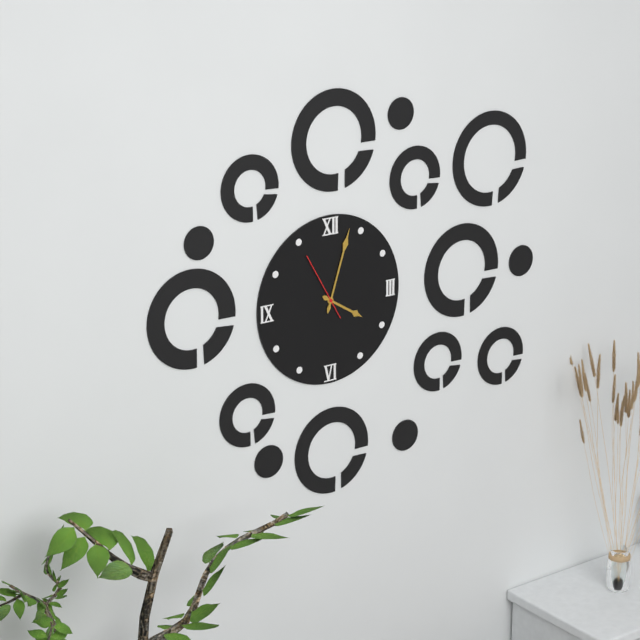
4:03:55
